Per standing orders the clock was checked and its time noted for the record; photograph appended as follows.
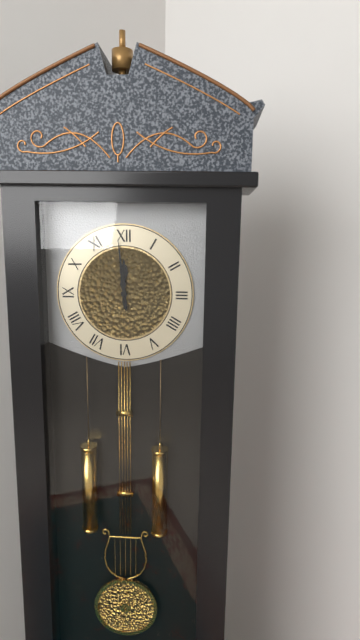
11:59
